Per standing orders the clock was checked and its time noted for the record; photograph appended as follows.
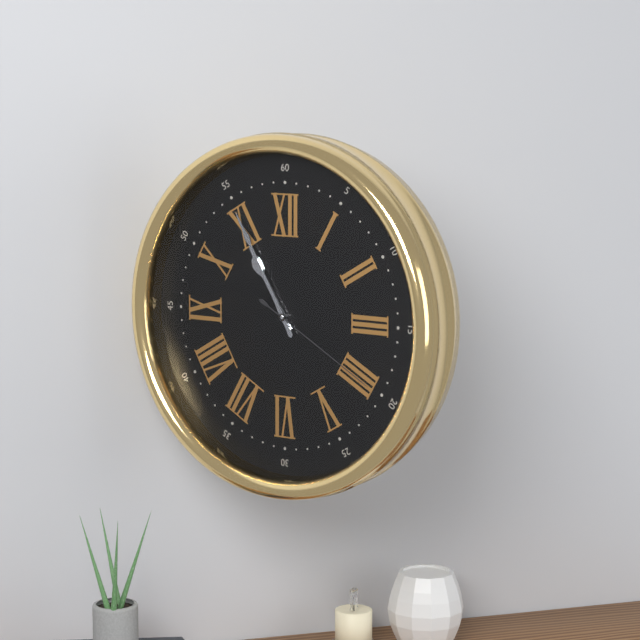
10:55:20
